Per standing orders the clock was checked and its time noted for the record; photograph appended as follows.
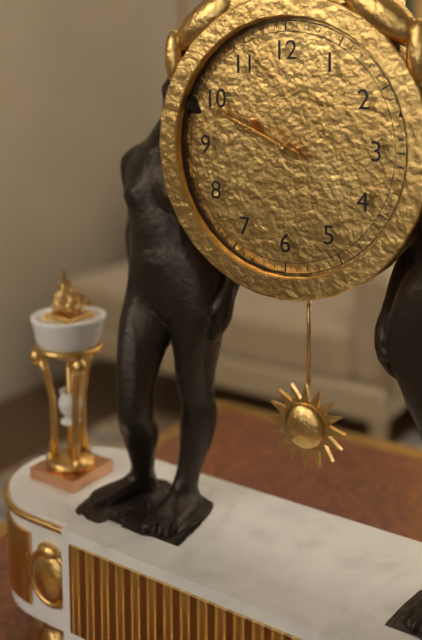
9:49
